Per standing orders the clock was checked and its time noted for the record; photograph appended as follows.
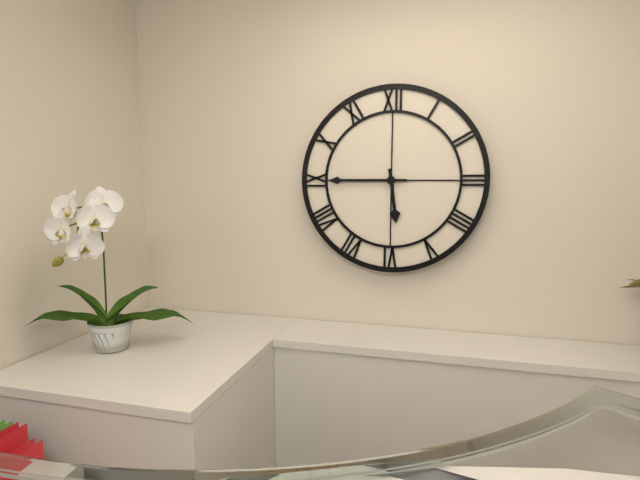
5:45
